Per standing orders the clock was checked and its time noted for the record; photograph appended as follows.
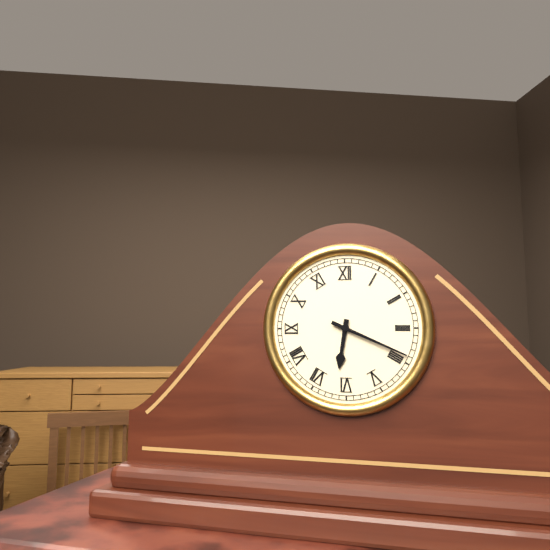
6:19
